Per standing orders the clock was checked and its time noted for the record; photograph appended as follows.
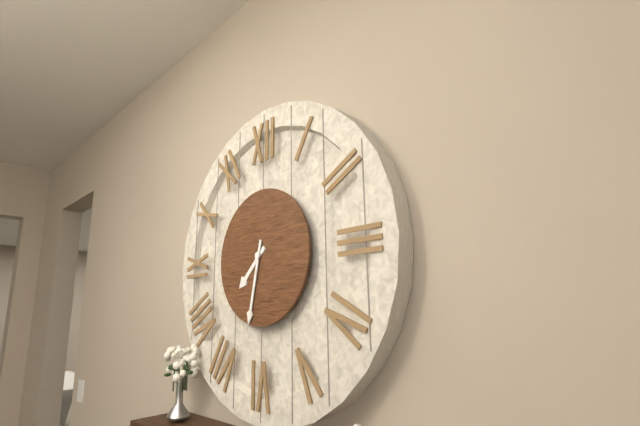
7:32
